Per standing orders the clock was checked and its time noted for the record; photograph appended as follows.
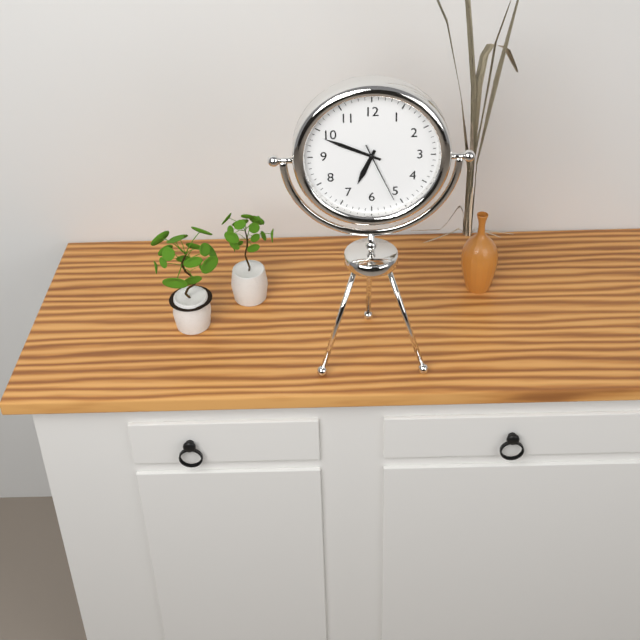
6:49:26
